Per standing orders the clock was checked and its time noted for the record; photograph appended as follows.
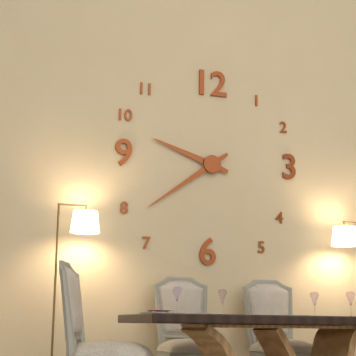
9:39
